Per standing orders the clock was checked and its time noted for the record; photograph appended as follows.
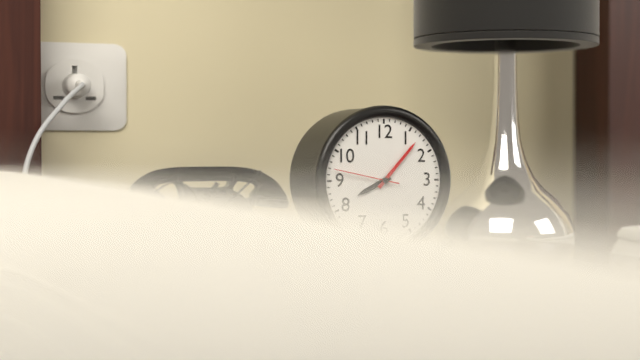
8:07:47
